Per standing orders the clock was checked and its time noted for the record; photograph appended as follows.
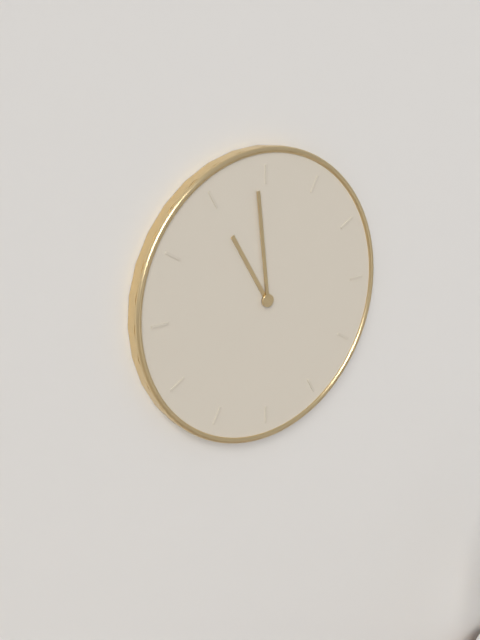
10:59
